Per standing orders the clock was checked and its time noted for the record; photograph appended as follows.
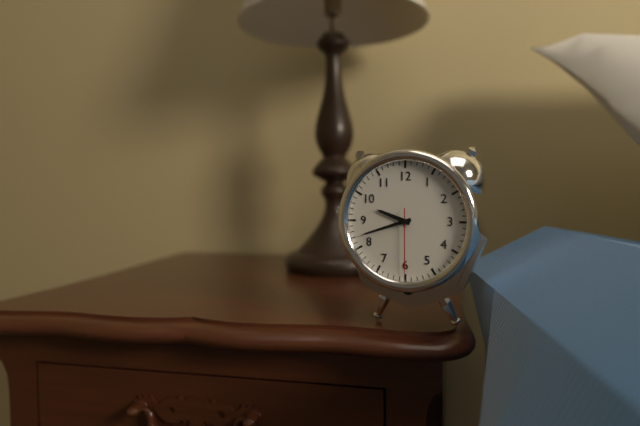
9:42:30
